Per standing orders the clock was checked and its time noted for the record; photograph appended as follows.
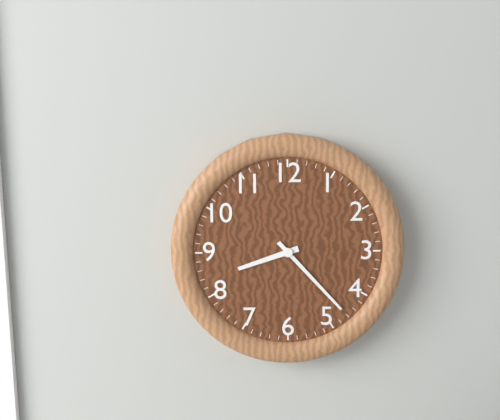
8:23
